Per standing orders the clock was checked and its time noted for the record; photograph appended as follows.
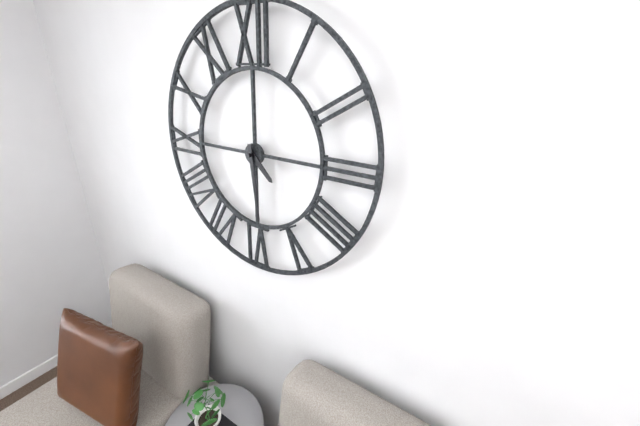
4:29
